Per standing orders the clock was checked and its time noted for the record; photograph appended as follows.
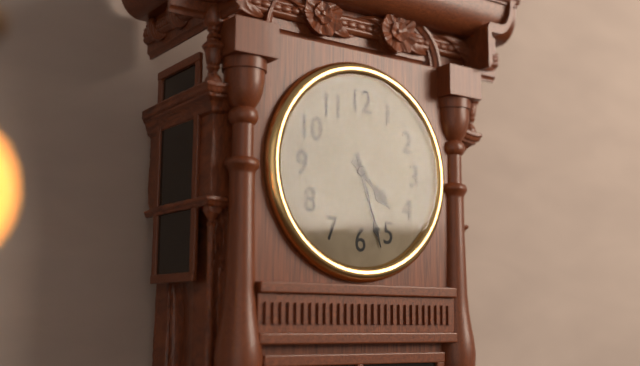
4:27
